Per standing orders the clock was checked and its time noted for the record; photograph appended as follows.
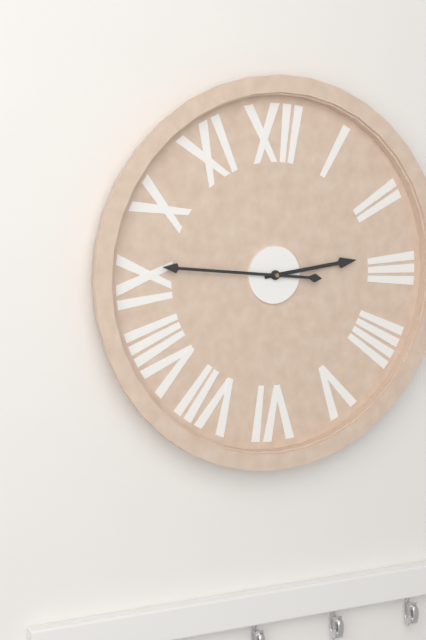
2:46
